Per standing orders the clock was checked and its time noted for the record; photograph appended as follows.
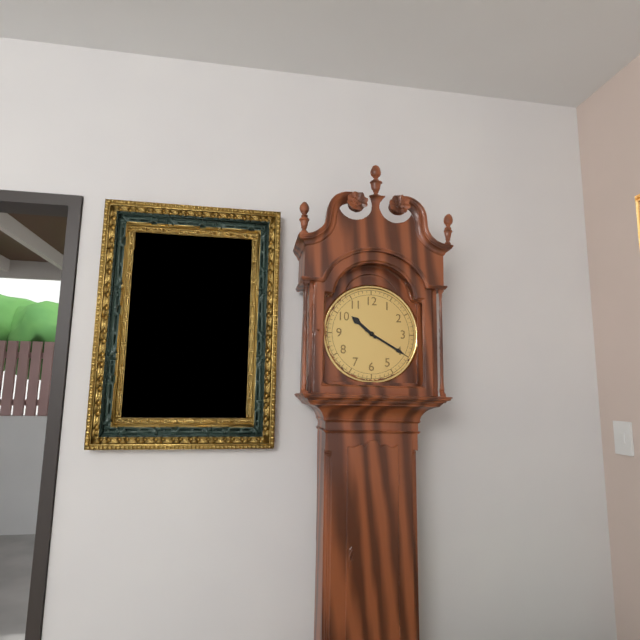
10:20
